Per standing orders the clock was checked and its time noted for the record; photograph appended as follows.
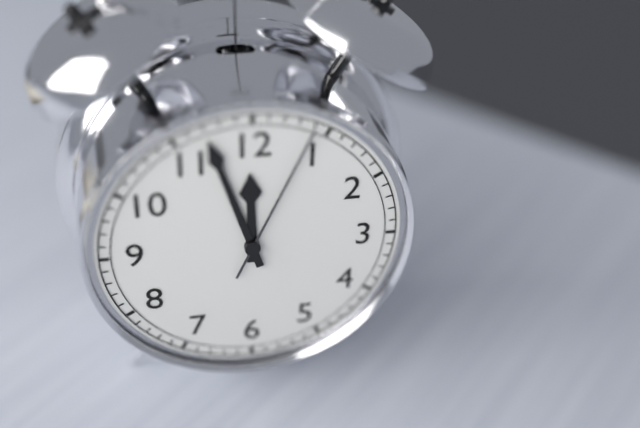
11:57:04
